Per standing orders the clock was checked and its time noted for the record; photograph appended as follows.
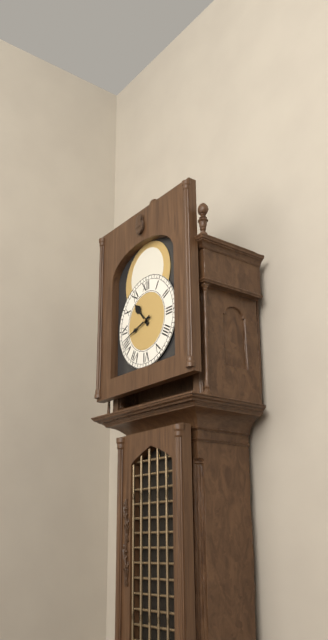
10:42
